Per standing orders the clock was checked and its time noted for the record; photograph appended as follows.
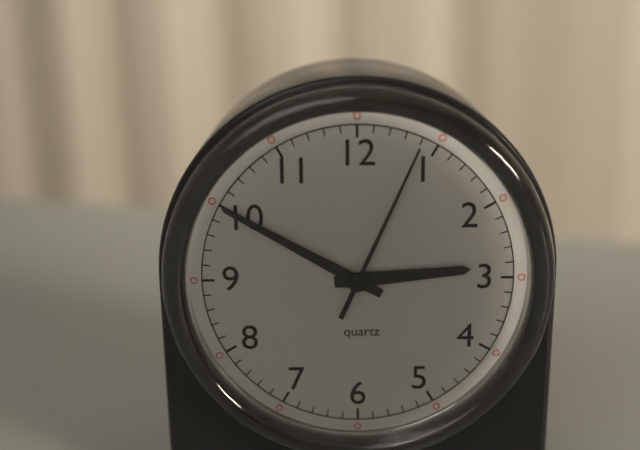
2:50:04
